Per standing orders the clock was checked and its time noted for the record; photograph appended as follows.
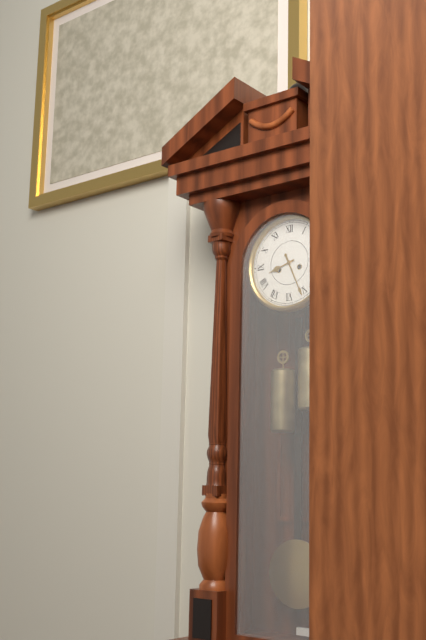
8:26
